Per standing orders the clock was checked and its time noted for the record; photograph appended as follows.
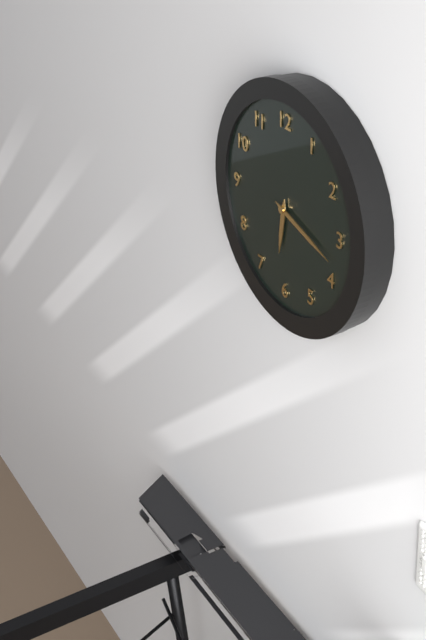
6:18
